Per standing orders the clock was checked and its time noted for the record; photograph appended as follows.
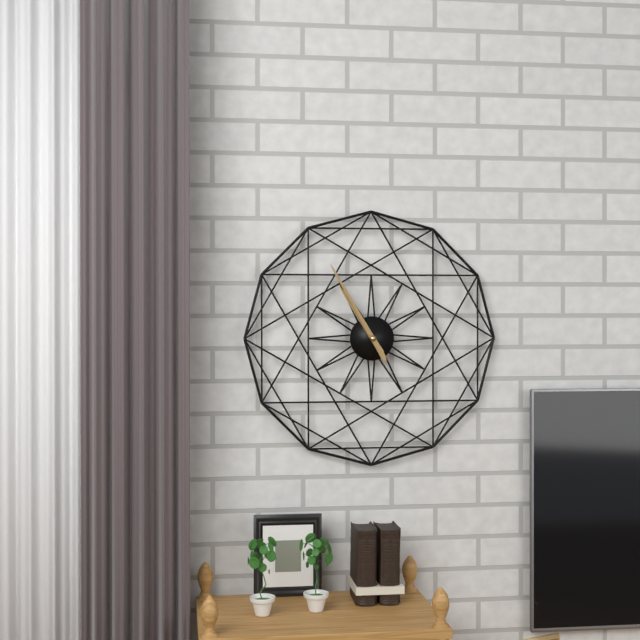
10:55
